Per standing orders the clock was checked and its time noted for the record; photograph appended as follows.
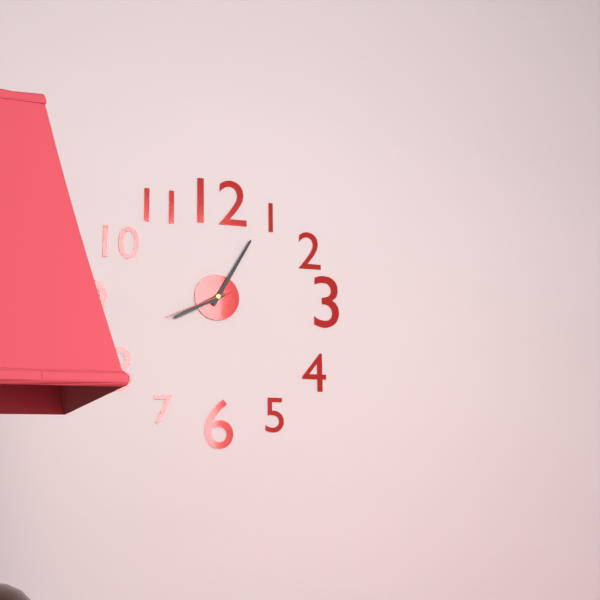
8:05:41
